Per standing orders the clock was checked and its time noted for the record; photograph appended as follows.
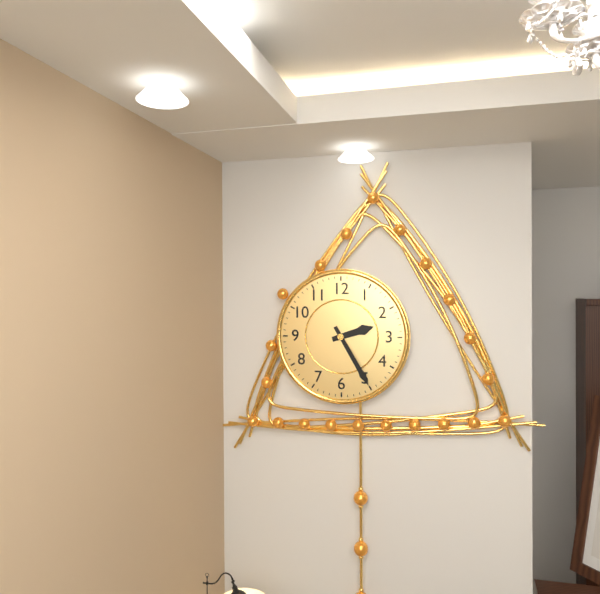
2:25
